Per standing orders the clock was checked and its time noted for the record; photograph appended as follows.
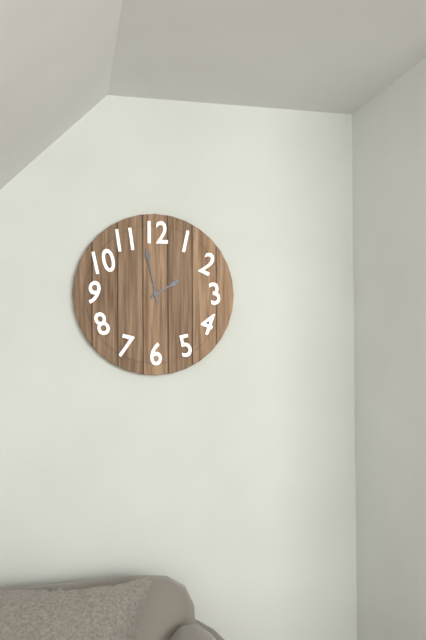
1:58
